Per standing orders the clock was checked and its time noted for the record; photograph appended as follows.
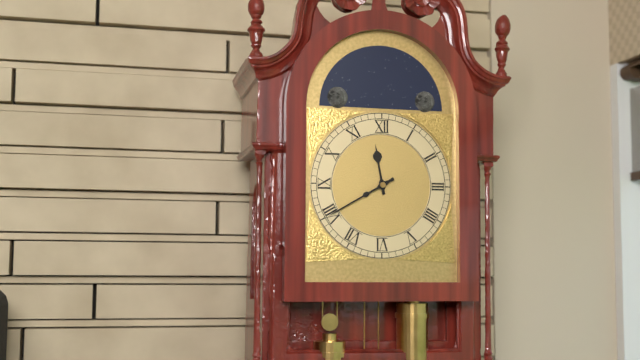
11:40
